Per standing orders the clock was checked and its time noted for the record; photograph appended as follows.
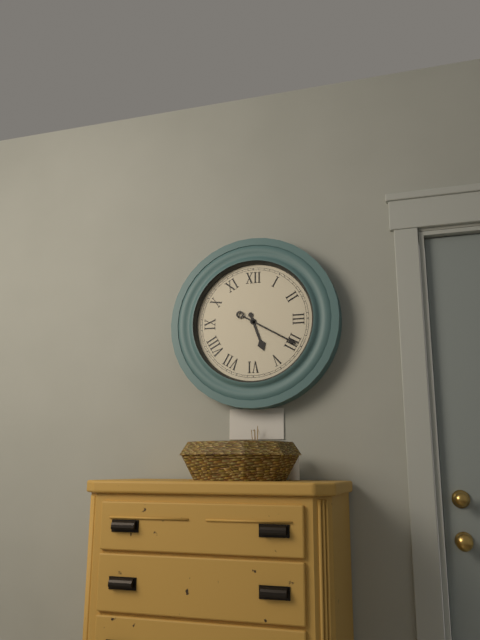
5:20
